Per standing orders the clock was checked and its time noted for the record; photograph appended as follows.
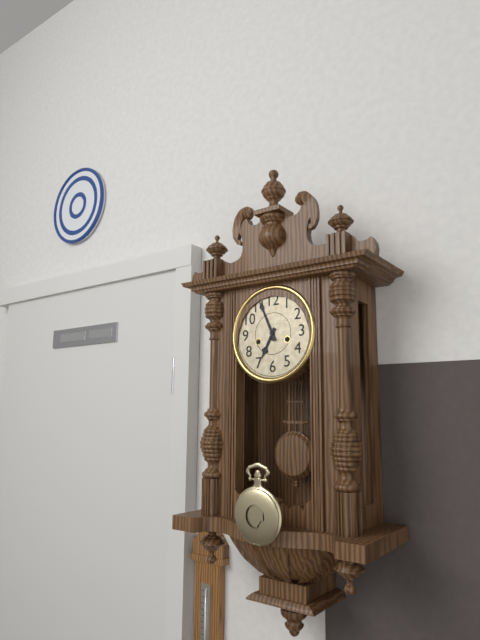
6:56
